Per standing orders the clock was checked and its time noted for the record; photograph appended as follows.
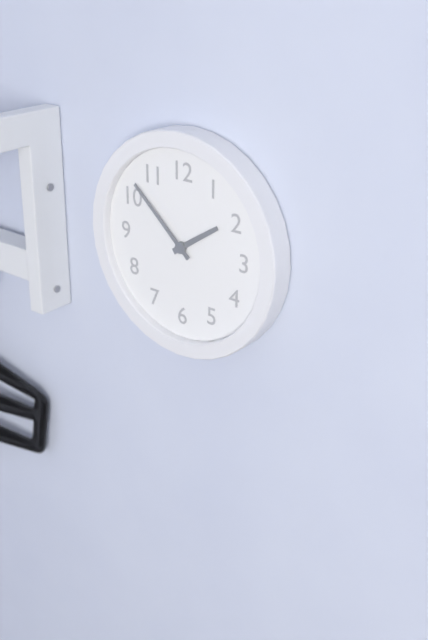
1:52
